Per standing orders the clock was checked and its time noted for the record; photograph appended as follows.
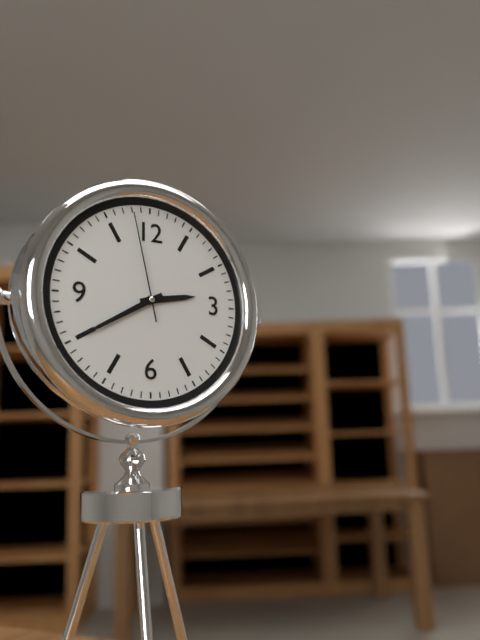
2:40:58
